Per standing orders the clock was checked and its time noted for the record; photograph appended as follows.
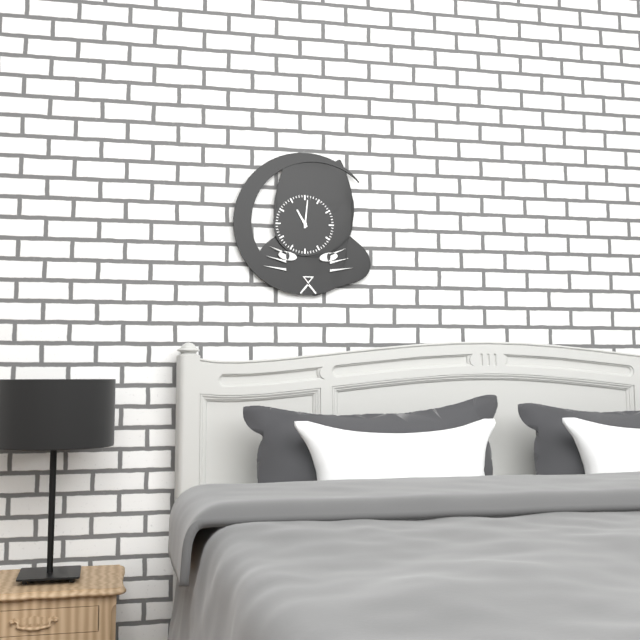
11:01
